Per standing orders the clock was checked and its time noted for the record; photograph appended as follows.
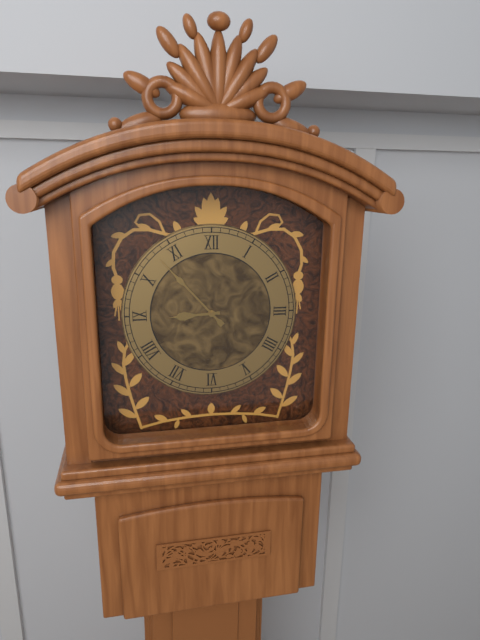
8:53
